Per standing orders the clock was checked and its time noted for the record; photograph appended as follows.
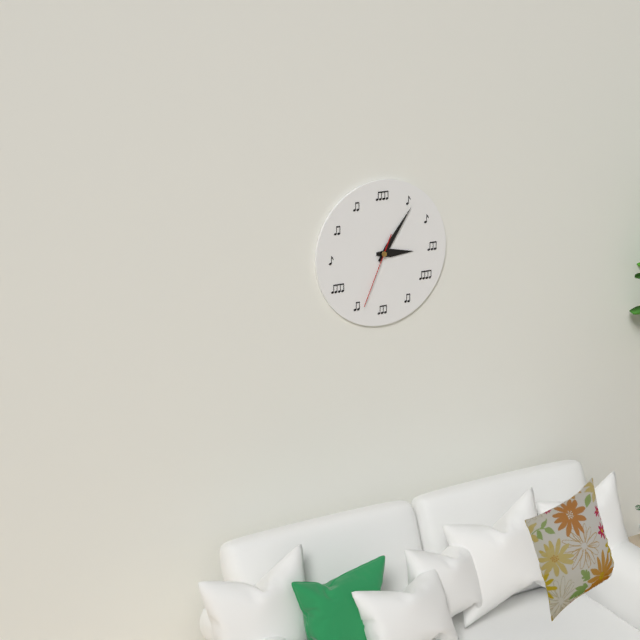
3:06:34
